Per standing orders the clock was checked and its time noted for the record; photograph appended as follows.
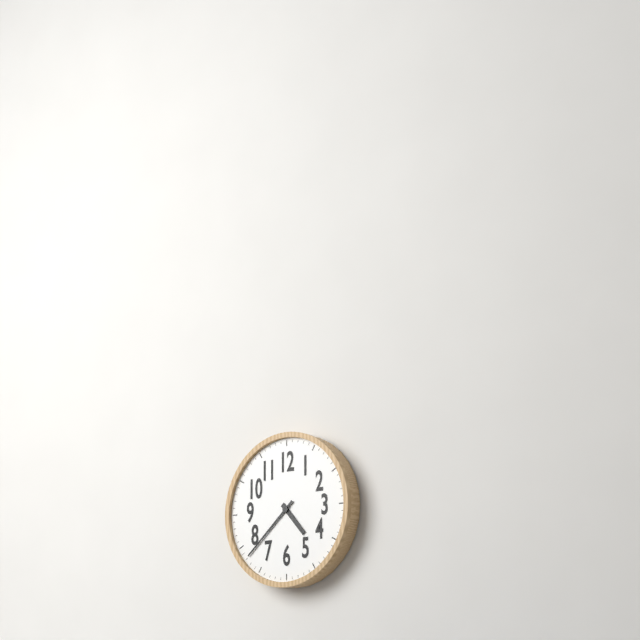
4:38
